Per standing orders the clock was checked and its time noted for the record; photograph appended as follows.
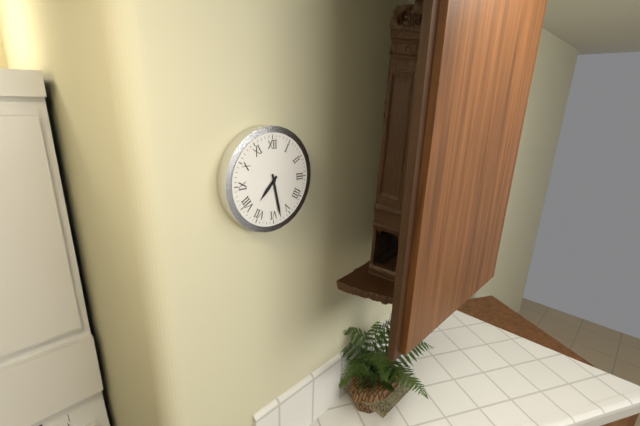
7:28
